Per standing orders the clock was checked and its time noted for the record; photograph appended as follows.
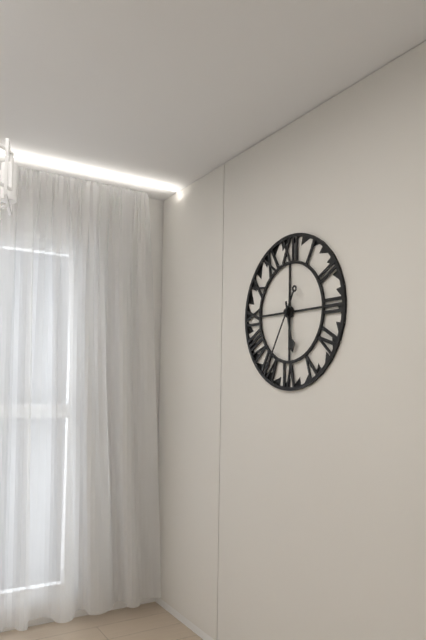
5:35
